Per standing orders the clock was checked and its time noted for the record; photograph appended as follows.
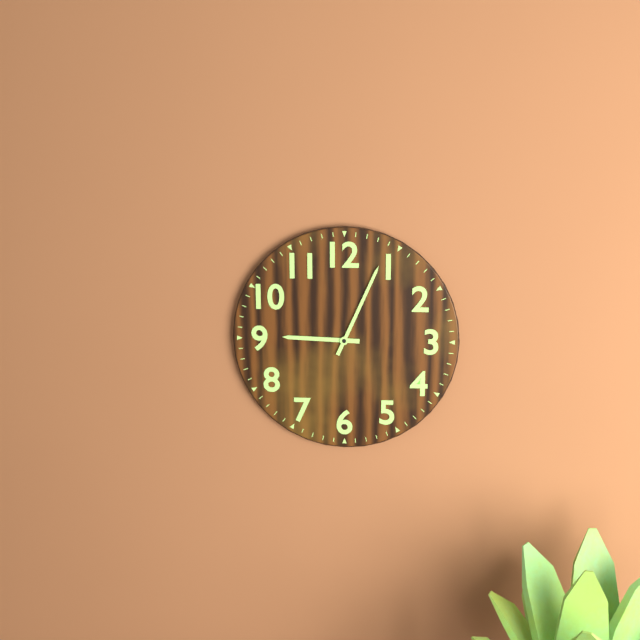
9:04
